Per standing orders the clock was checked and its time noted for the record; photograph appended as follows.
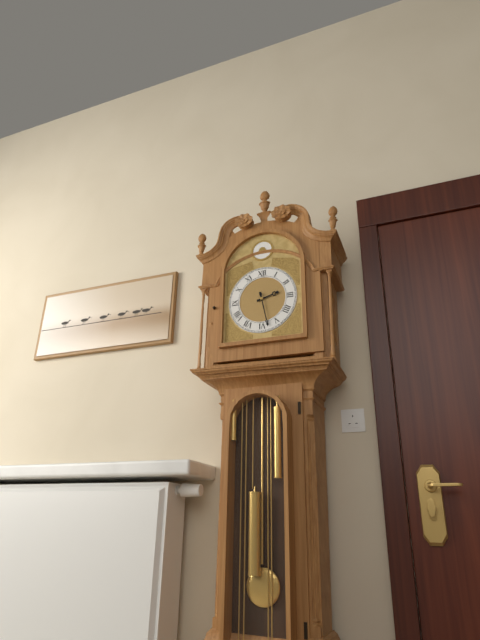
2:28
